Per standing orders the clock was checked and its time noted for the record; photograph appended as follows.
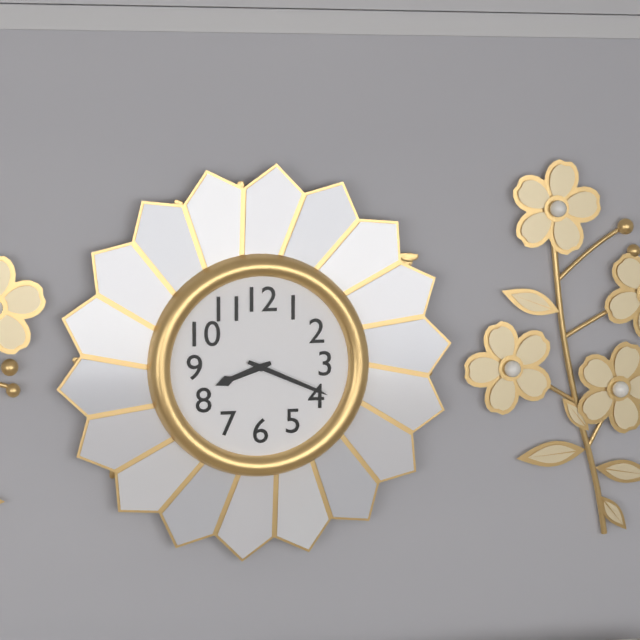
8:19
